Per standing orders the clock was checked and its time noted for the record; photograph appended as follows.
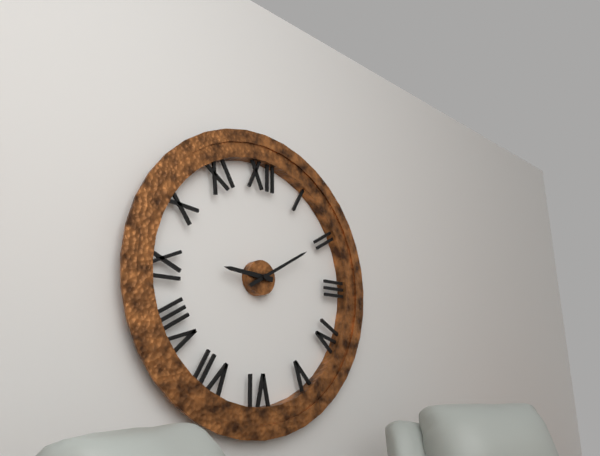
9:10
